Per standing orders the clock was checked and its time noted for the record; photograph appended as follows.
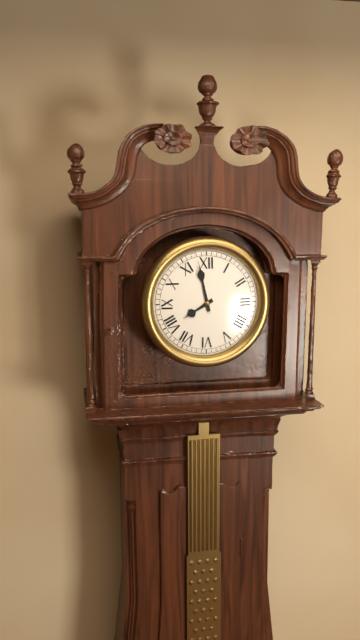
7:58
